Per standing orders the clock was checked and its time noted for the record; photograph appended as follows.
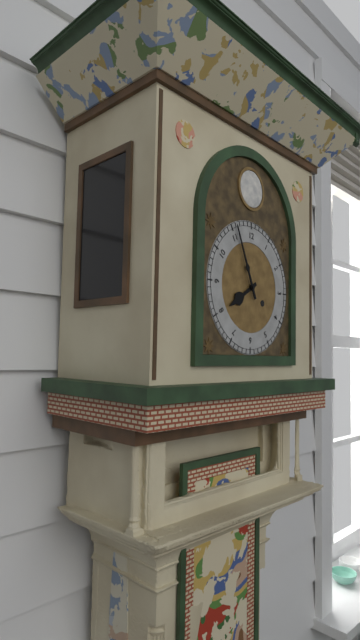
7:56
